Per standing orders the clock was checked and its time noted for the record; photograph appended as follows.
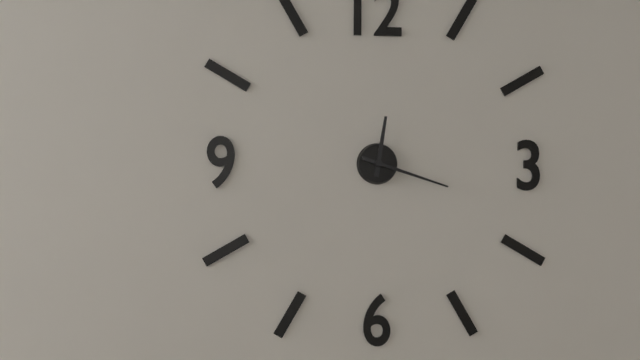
12:18
